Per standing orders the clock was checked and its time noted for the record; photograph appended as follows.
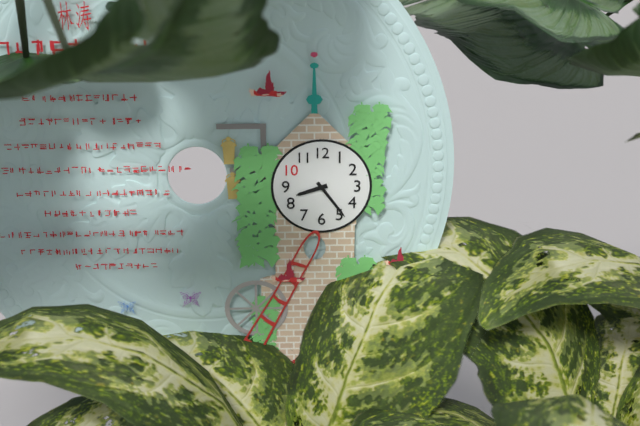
8:24
